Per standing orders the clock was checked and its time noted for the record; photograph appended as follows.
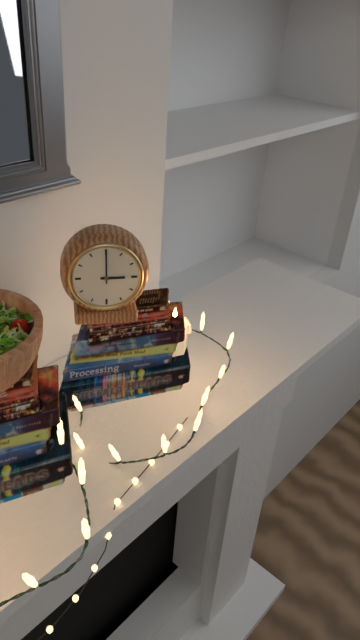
3:00
